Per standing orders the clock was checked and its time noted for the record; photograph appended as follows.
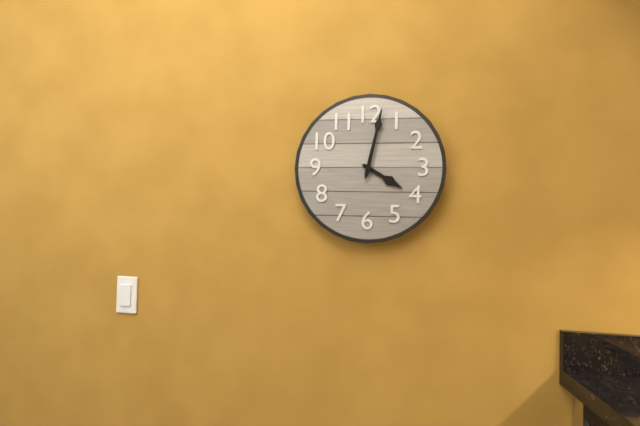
4:02
